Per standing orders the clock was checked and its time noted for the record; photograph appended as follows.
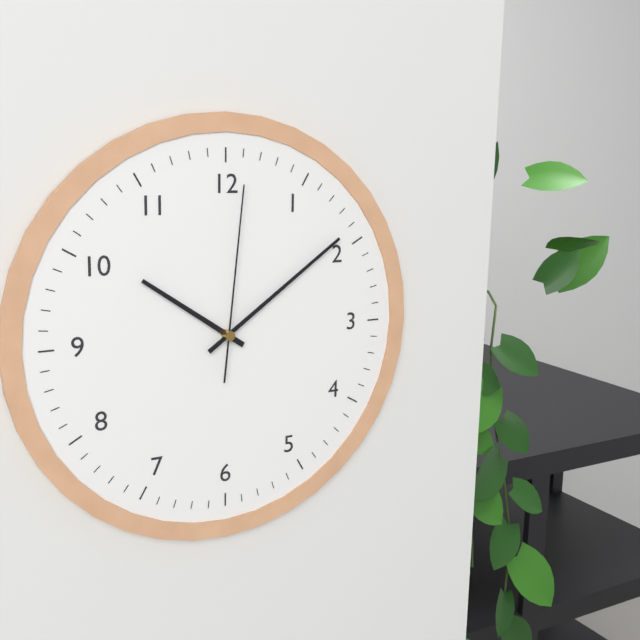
10:09:01
